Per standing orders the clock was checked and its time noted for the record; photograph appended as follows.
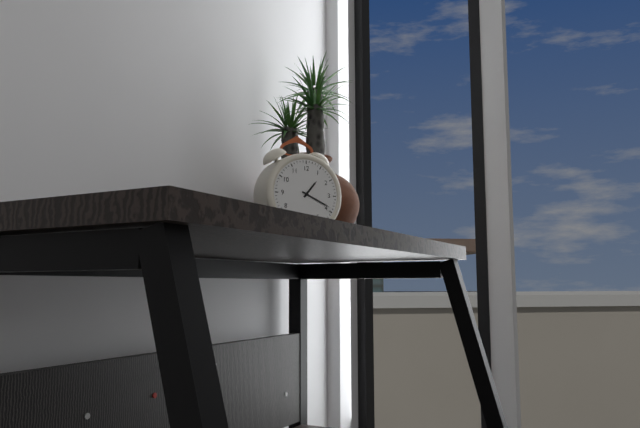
1:19
